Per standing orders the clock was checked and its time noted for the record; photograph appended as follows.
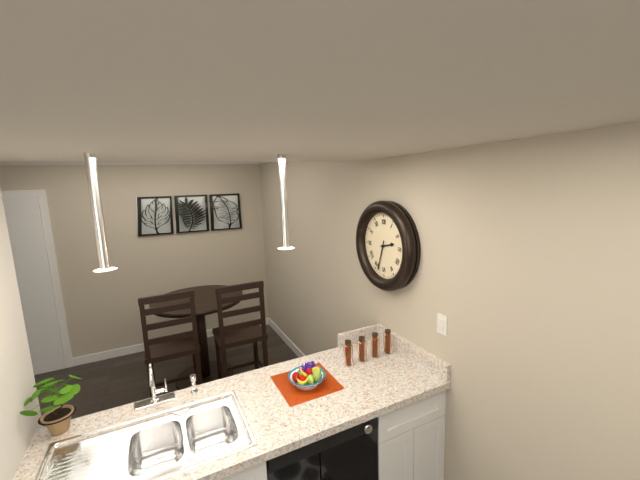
2:33
